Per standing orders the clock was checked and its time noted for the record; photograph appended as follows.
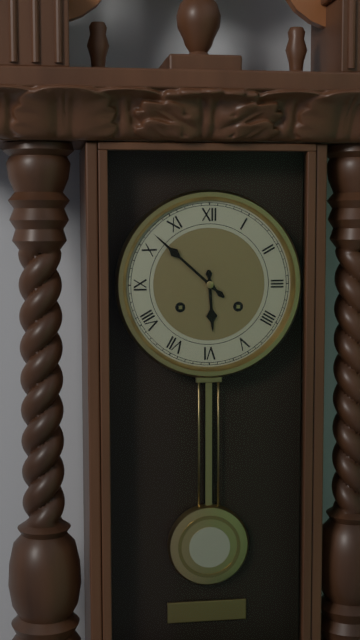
5:52
